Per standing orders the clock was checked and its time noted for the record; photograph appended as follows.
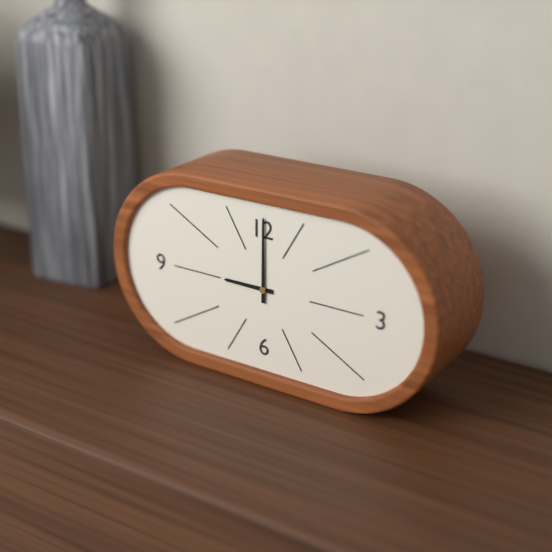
9:00
